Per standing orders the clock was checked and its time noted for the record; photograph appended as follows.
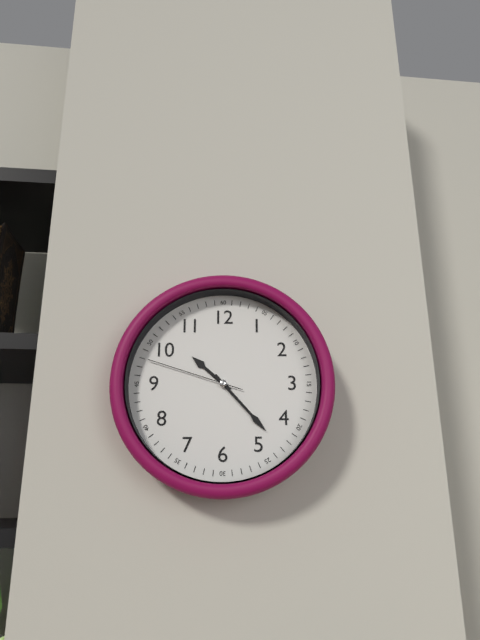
10:23:48
